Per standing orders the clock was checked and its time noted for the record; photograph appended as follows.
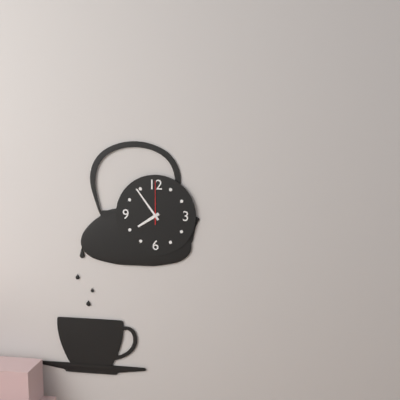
7:54
